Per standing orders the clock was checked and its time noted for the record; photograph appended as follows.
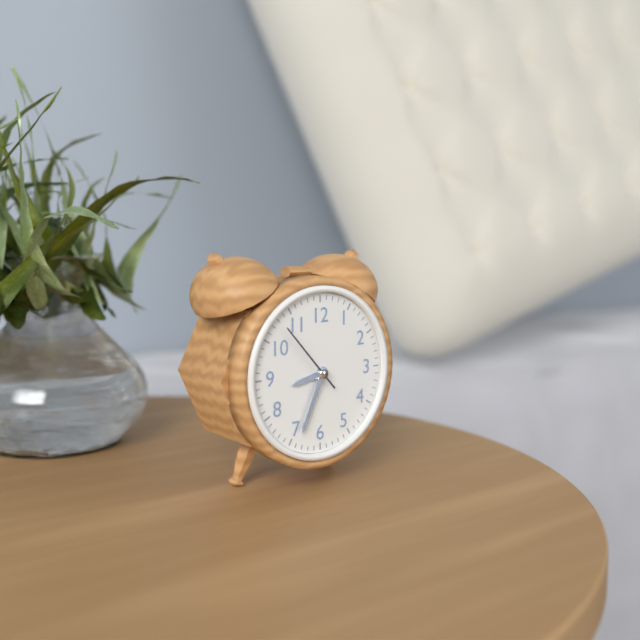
8:34:53
